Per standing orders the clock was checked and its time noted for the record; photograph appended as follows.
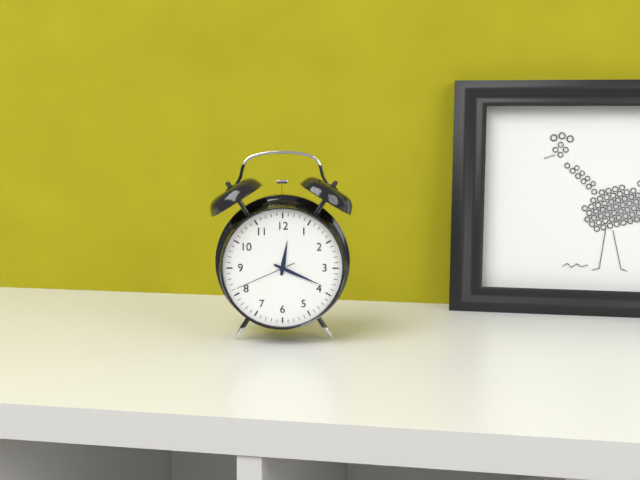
12:19:41
